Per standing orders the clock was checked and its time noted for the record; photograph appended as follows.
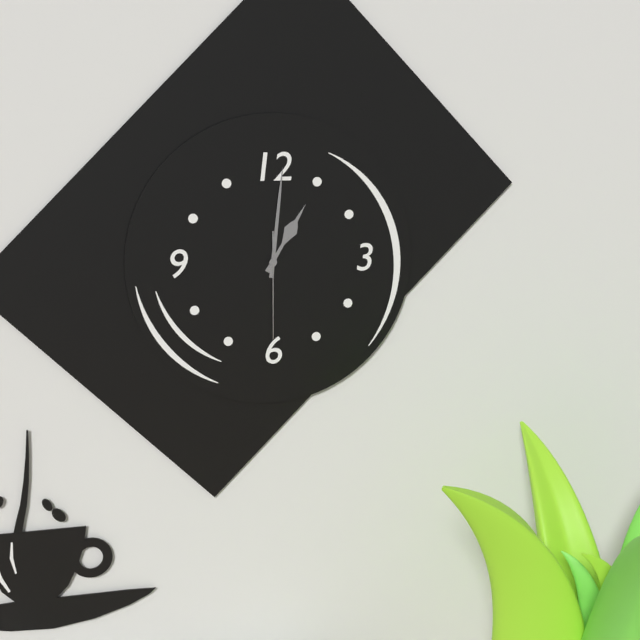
1:01:30
